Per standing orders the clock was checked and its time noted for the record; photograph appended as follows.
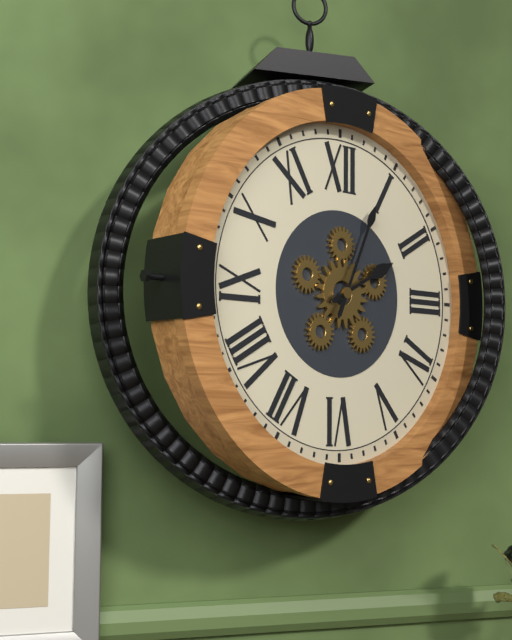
2:04
